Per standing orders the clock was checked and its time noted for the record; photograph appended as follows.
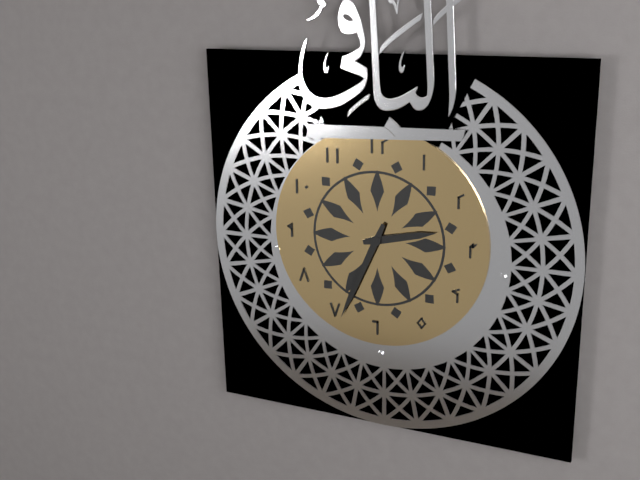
2:34
